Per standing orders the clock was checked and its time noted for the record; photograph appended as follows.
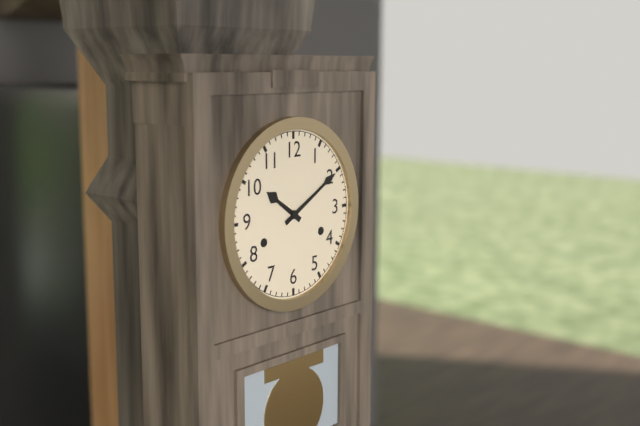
10:10
